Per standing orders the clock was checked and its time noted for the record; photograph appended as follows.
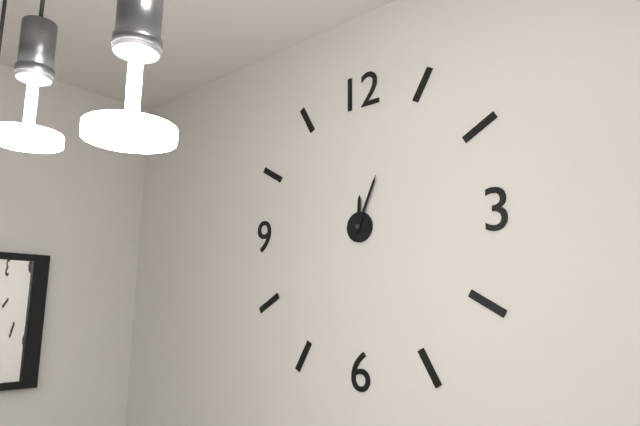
12:04
